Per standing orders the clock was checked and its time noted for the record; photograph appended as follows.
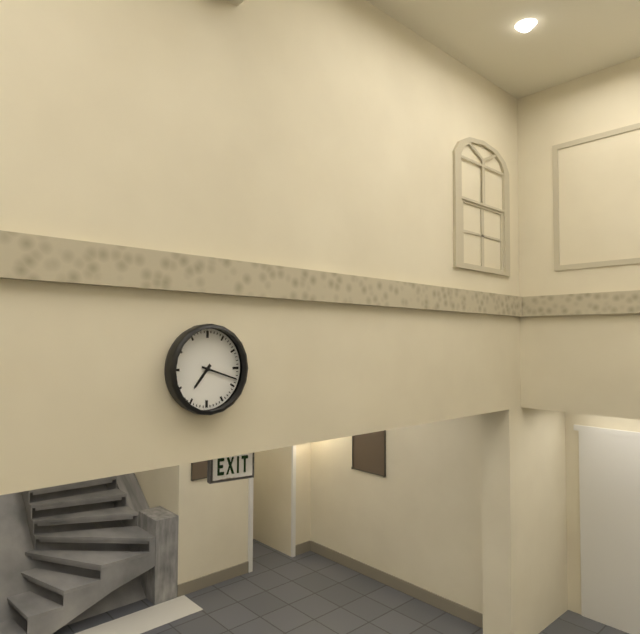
7:18
